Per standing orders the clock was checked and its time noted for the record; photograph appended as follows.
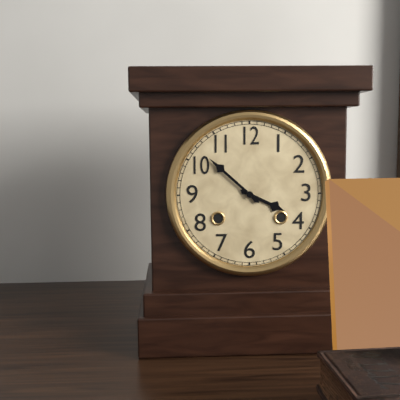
3:52
